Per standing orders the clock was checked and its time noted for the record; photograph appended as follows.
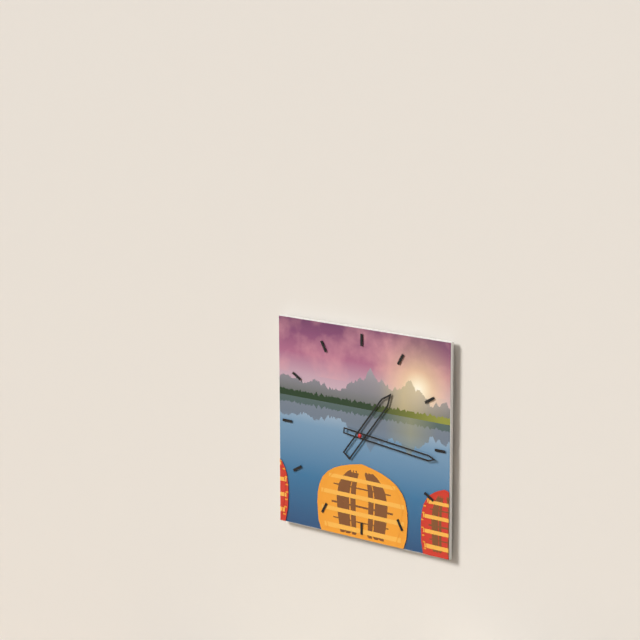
1:16
